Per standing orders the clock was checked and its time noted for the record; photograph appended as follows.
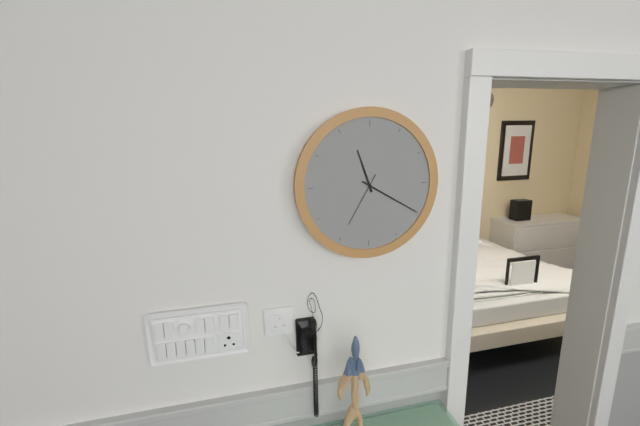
11:20:35
